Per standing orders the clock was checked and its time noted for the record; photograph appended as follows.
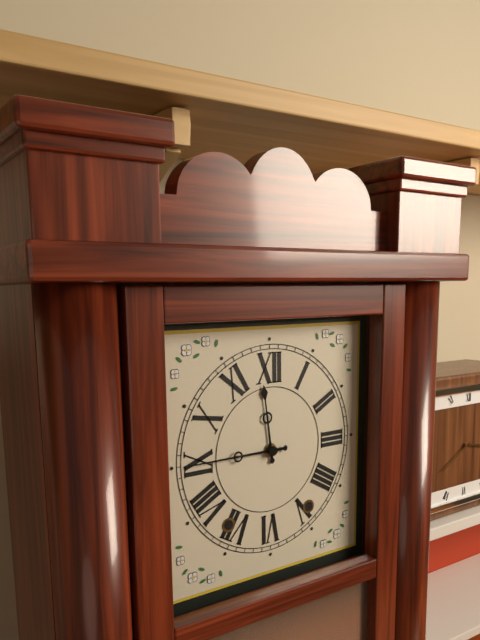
11:45
